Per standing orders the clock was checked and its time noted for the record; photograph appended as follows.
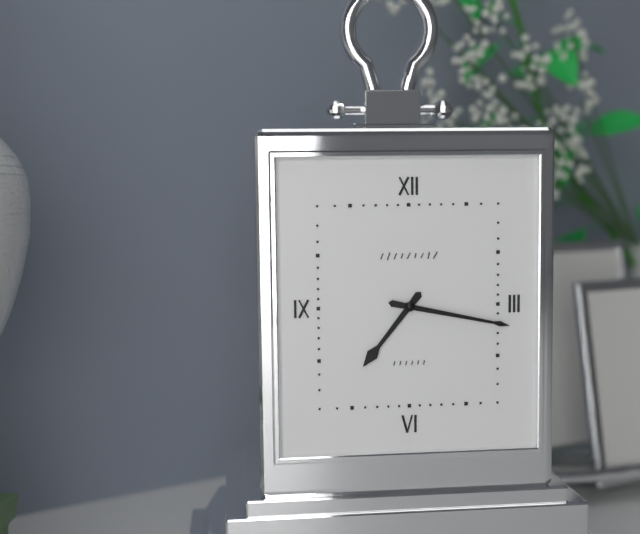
7:17
